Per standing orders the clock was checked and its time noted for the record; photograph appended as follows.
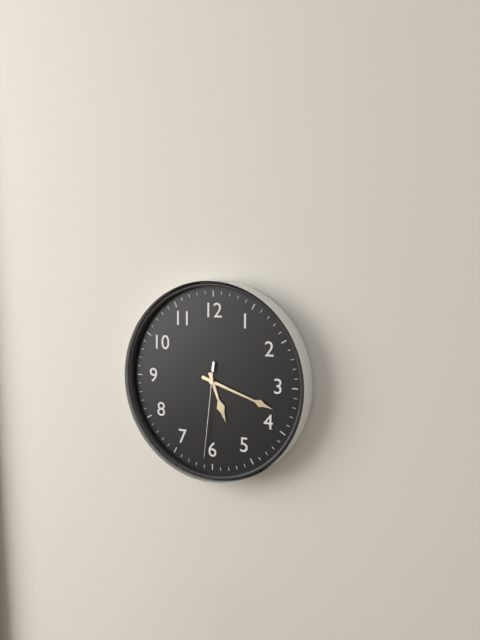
5:18:31
